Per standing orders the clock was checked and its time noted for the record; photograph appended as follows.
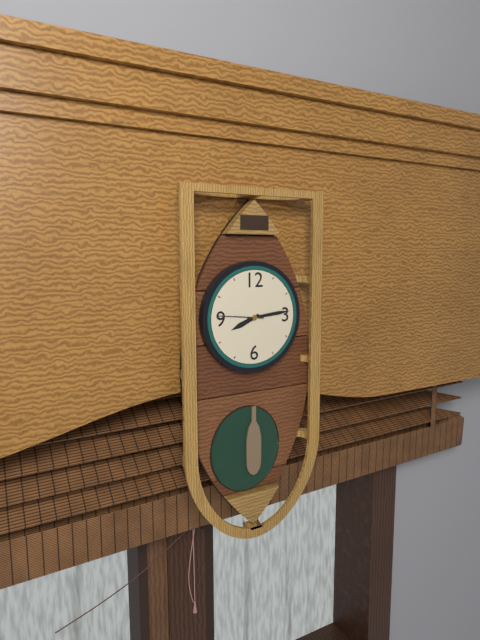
8:14
